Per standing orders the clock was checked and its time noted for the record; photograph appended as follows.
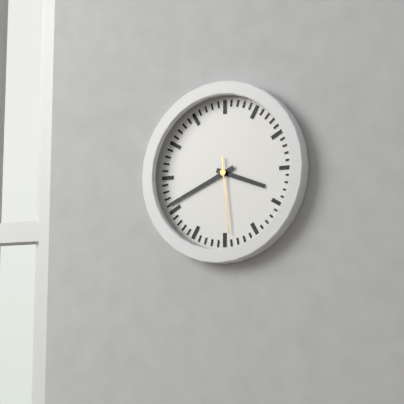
3:41:29
